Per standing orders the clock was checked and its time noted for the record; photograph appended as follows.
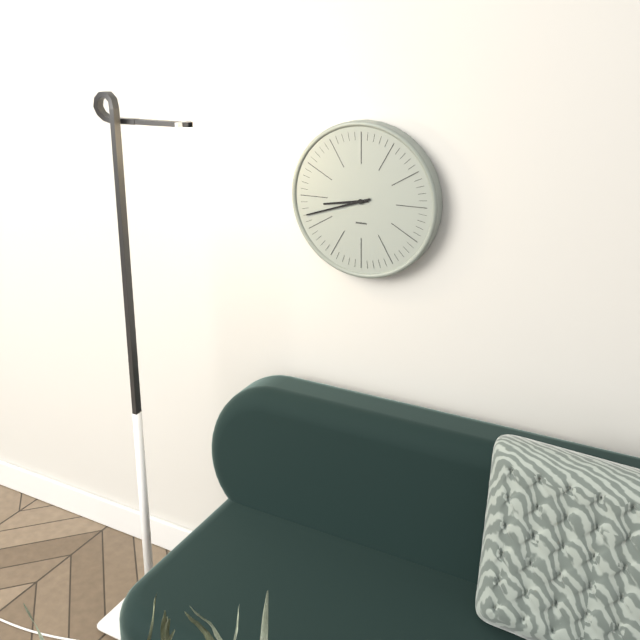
8:42
